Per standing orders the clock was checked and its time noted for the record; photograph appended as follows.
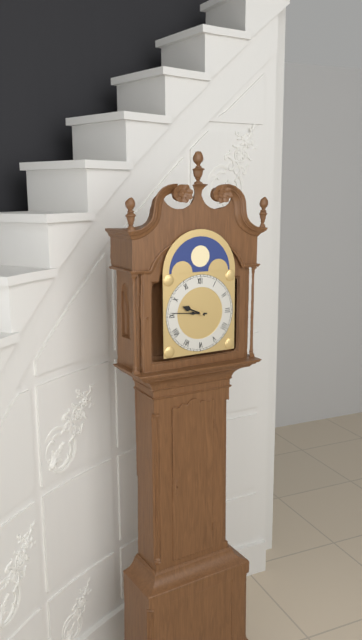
9:46
